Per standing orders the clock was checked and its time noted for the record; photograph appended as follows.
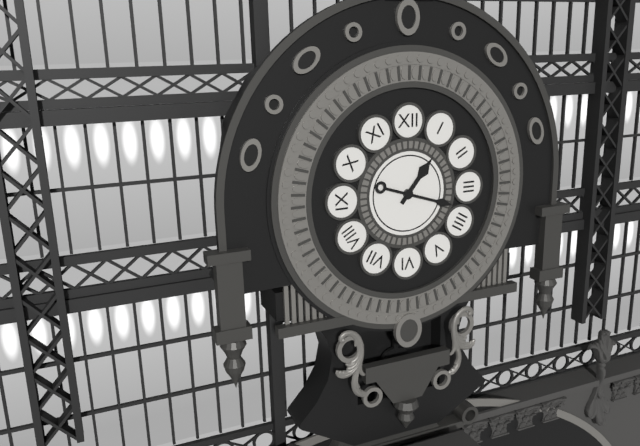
1:18
